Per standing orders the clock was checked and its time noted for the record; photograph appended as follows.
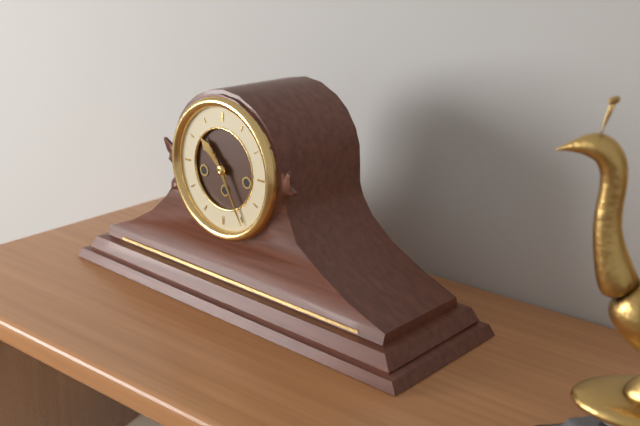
10:25
